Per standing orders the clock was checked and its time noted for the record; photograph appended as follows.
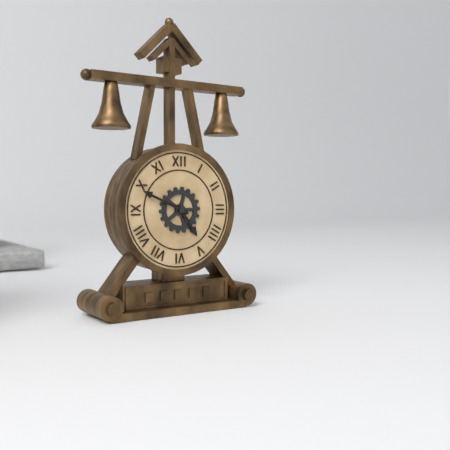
4:49
